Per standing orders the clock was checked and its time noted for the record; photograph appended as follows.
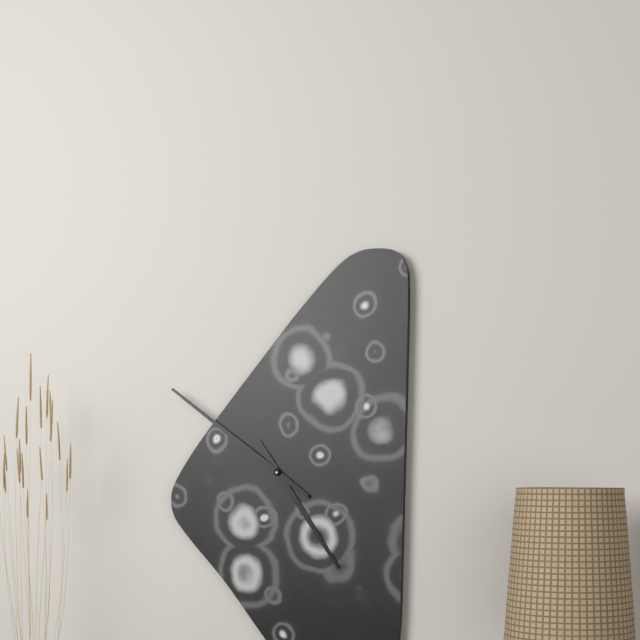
4:51
